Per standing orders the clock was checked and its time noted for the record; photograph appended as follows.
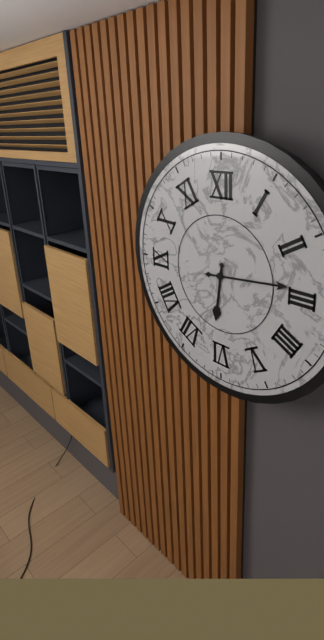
6:14
